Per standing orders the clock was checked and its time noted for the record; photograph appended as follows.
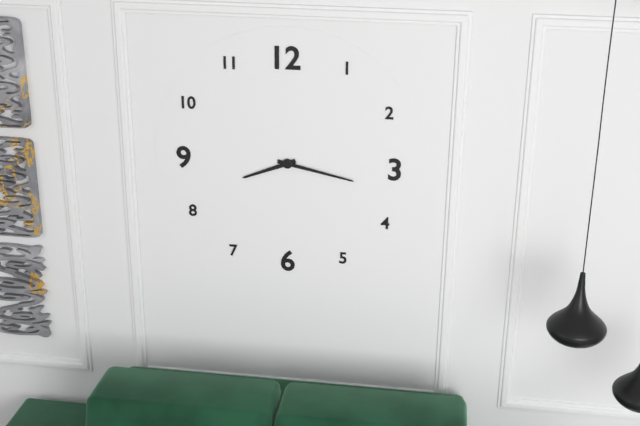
8:17
